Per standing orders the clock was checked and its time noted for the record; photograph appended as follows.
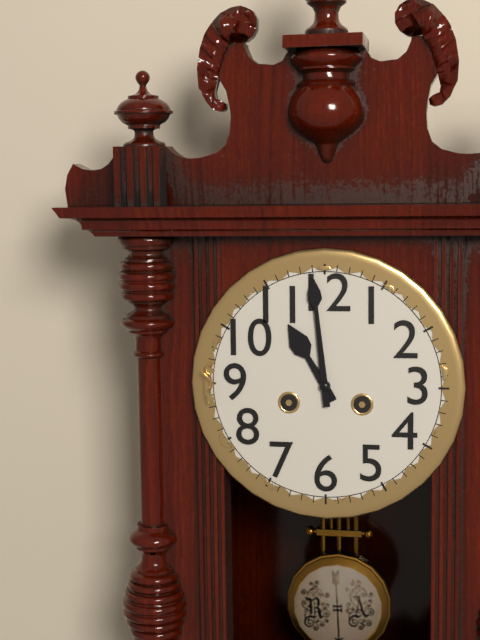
10:59
